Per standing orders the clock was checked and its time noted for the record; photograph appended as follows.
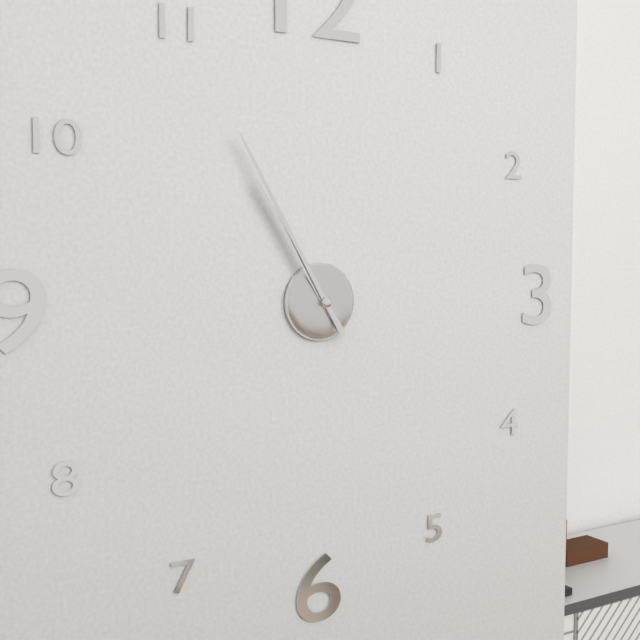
10:55
